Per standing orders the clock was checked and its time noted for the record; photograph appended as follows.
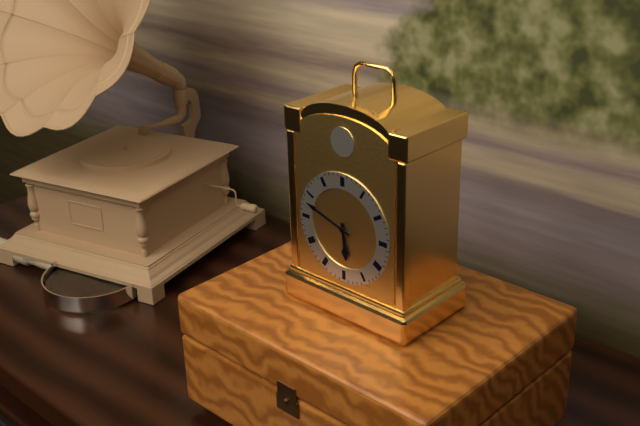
5:48
